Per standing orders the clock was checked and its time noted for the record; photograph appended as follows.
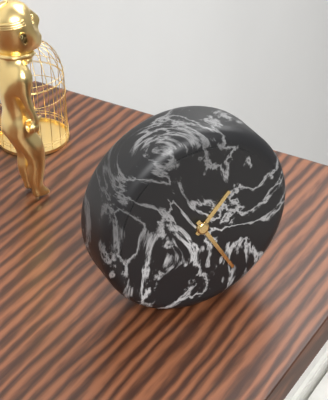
1:25
